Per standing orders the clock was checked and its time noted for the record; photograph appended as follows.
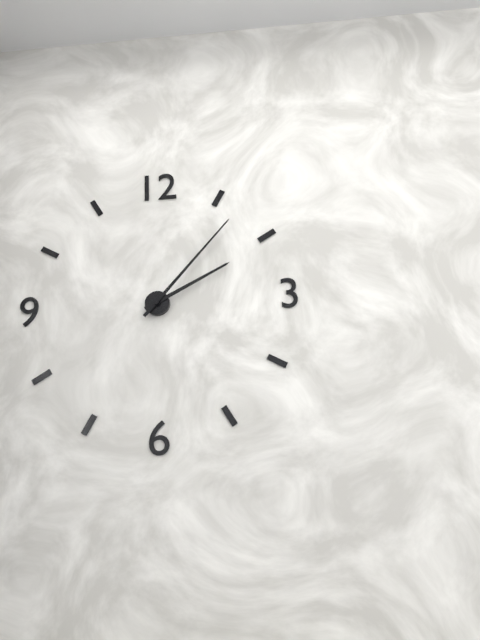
2:07
